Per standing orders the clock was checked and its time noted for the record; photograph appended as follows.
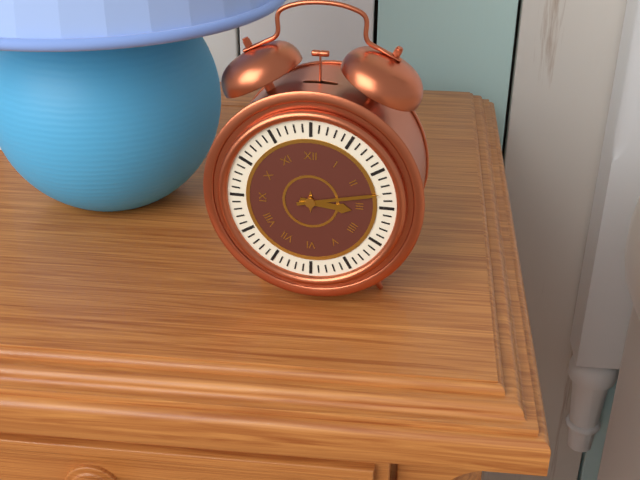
3:13
